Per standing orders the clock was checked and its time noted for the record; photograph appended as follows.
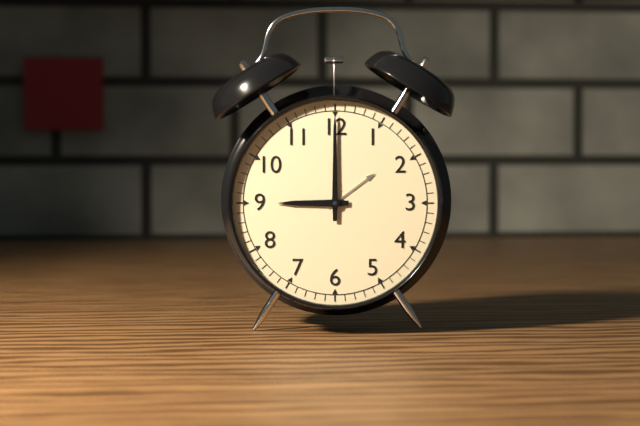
9:00
